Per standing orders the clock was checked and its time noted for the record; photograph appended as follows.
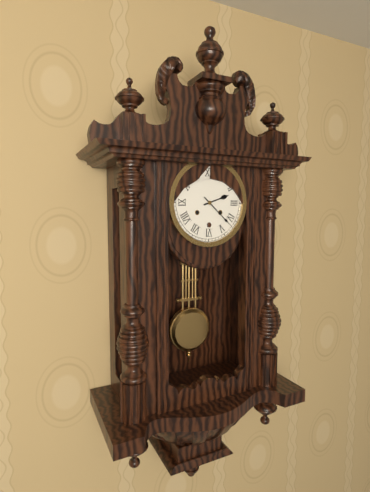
2:22
